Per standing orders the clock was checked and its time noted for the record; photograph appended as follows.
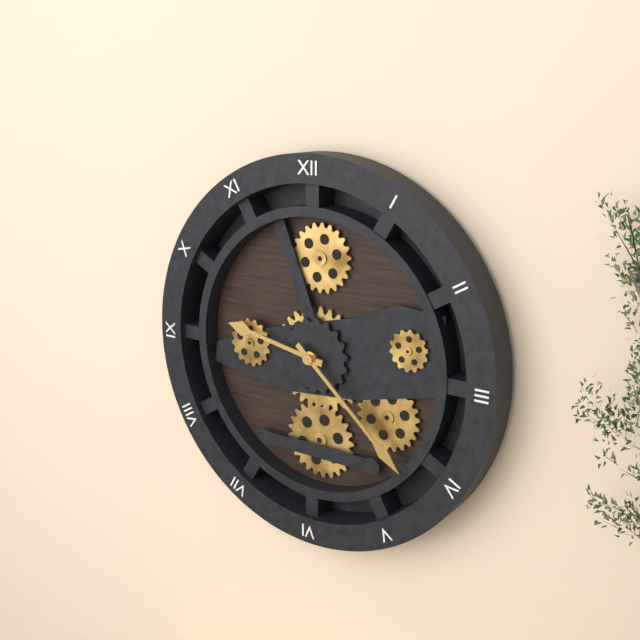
9:22
